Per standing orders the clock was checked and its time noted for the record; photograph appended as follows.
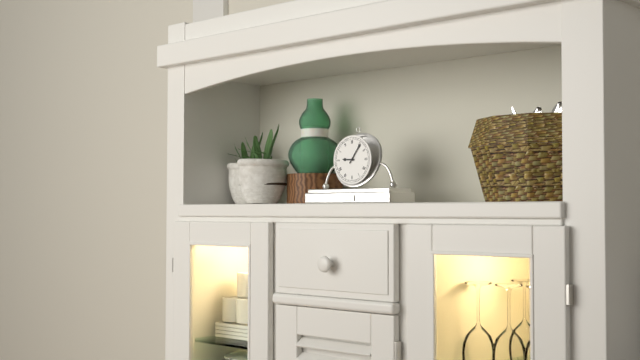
9:06
